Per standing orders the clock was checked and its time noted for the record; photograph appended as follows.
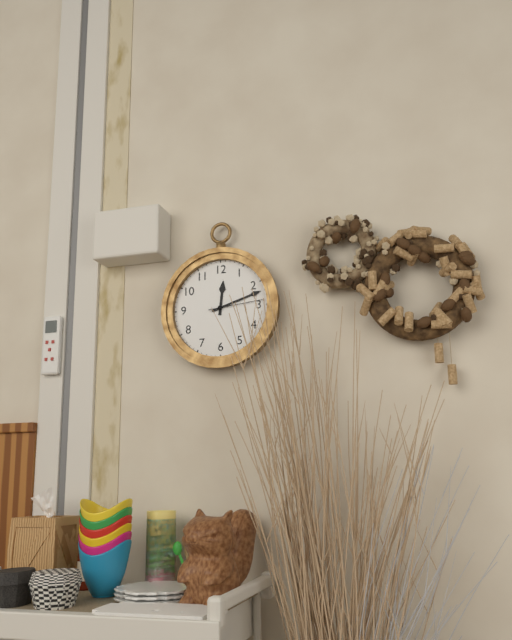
12:12:14
